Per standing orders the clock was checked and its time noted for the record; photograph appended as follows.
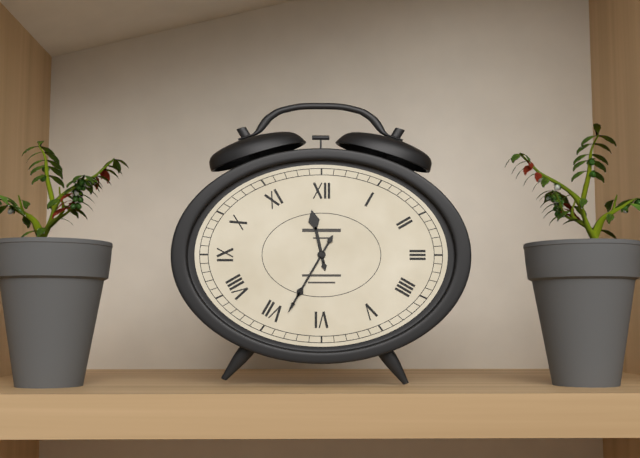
11:35
